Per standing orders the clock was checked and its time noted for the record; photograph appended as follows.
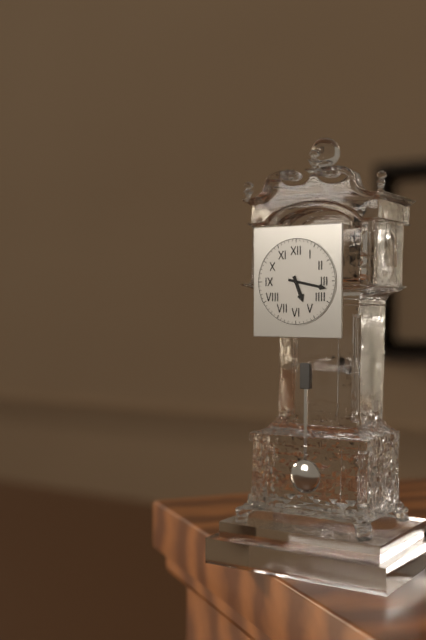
5:17
